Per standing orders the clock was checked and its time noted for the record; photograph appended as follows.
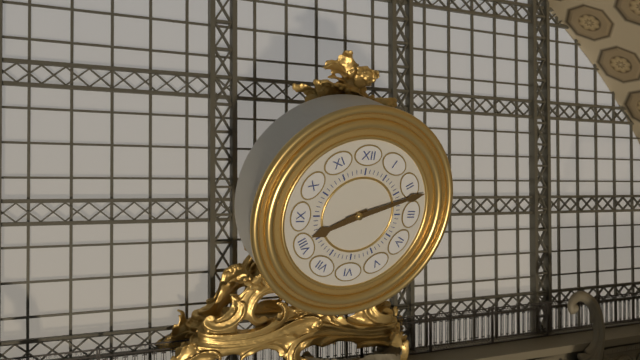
8:12
